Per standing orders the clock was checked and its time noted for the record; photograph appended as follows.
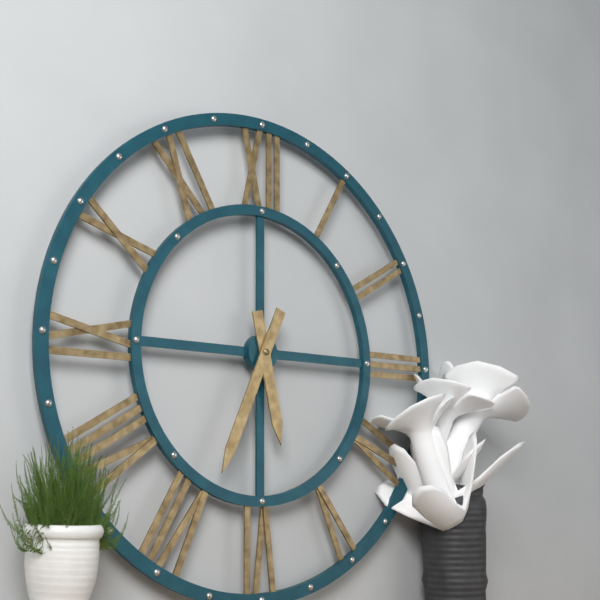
5:34
